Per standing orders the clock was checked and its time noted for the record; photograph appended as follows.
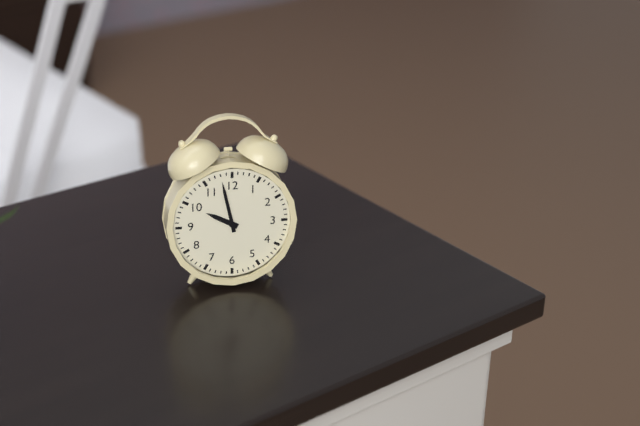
9:58
